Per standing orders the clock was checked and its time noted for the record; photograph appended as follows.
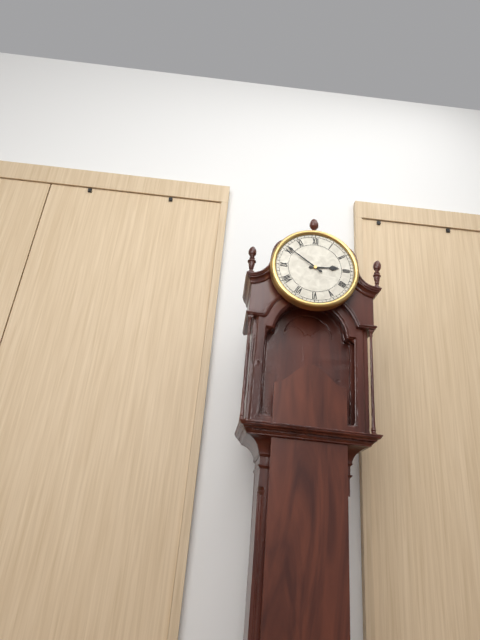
2:51
